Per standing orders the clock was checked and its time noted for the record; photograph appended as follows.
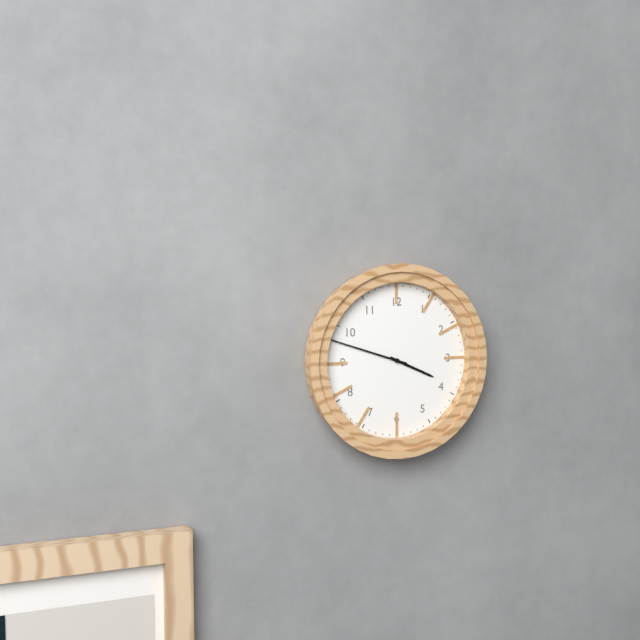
3:48
